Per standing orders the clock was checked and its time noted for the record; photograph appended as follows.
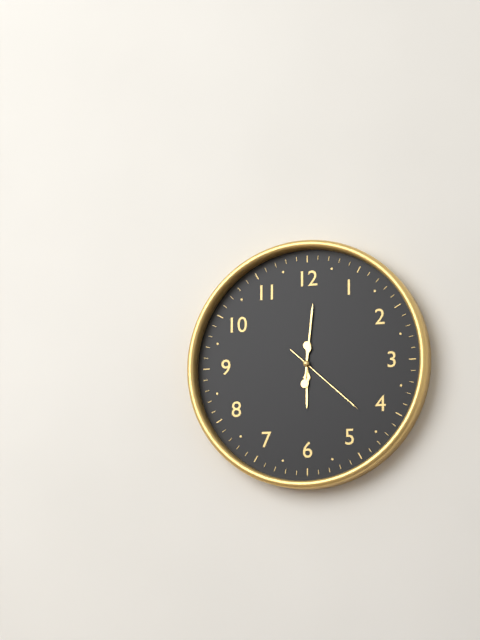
6:01:22
